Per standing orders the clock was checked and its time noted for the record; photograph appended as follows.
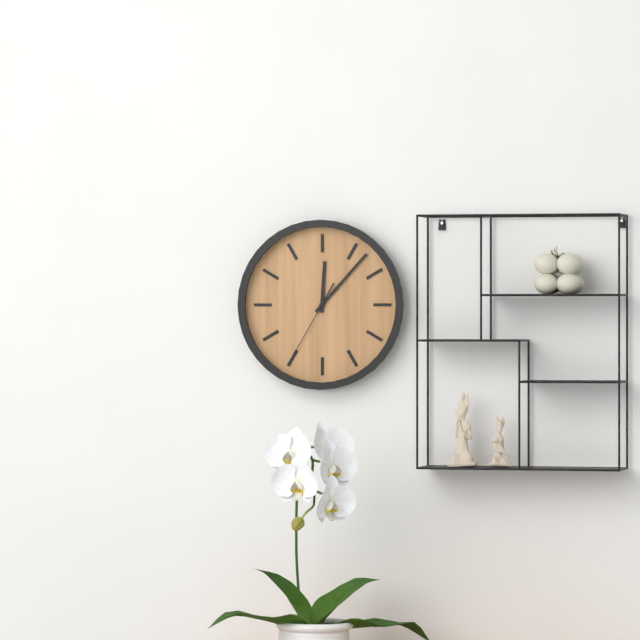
12:07:35
